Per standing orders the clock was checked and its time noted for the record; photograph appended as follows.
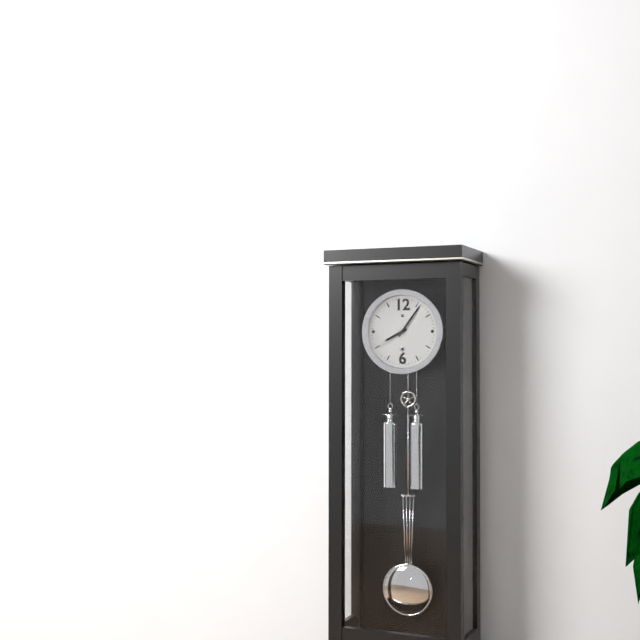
8:06
